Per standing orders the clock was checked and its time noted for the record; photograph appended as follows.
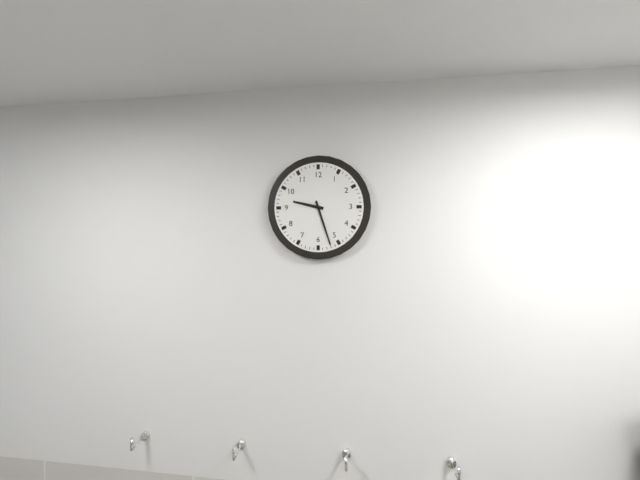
9:27
